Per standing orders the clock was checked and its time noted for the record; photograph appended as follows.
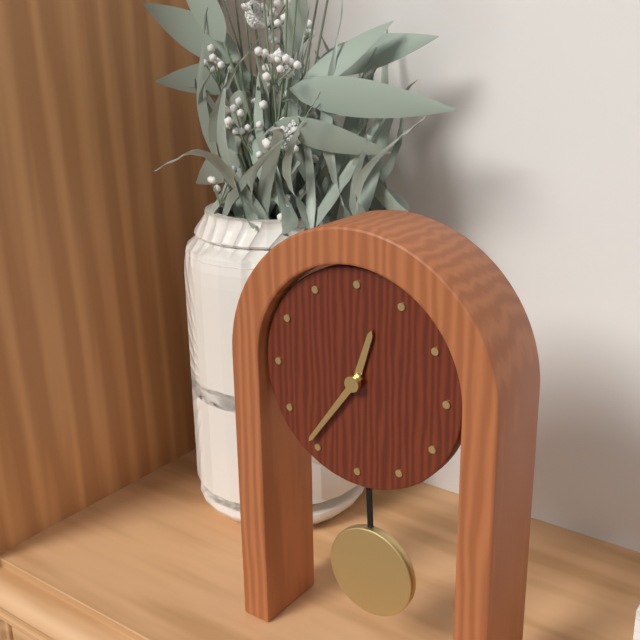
12:36
